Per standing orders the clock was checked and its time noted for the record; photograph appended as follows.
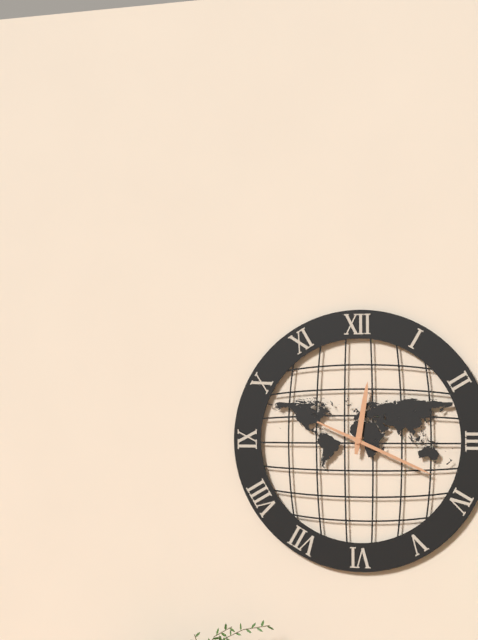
12:19
